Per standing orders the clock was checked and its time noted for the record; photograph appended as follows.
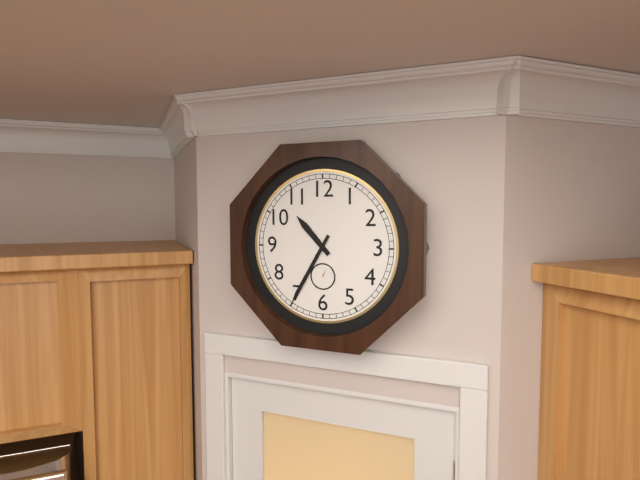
10:35
